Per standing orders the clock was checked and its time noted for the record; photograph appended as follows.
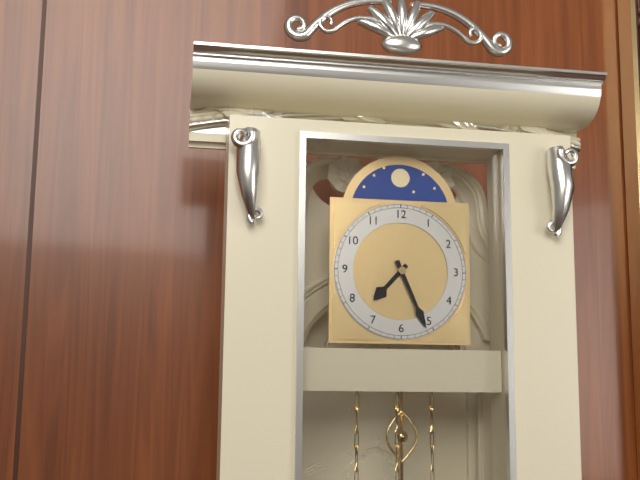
7:26
